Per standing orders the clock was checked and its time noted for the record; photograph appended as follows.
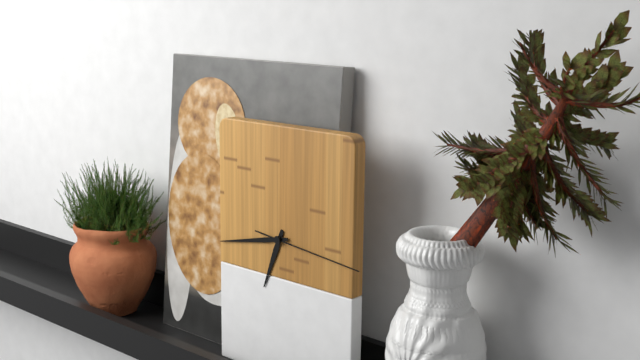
6:43:16
